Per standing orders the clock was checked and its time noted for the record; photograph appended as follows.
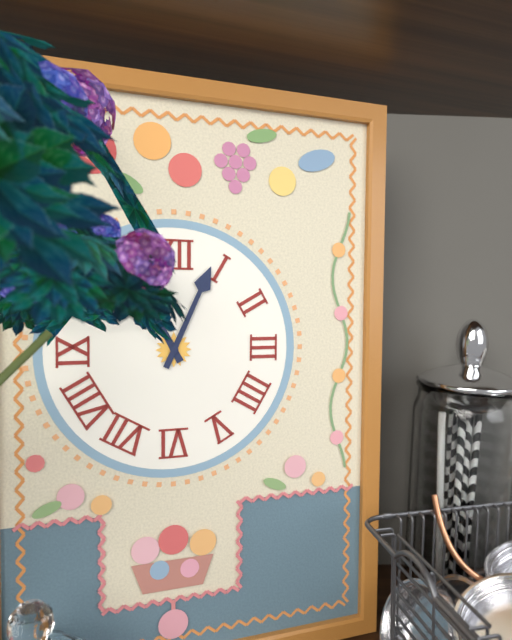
11:04
